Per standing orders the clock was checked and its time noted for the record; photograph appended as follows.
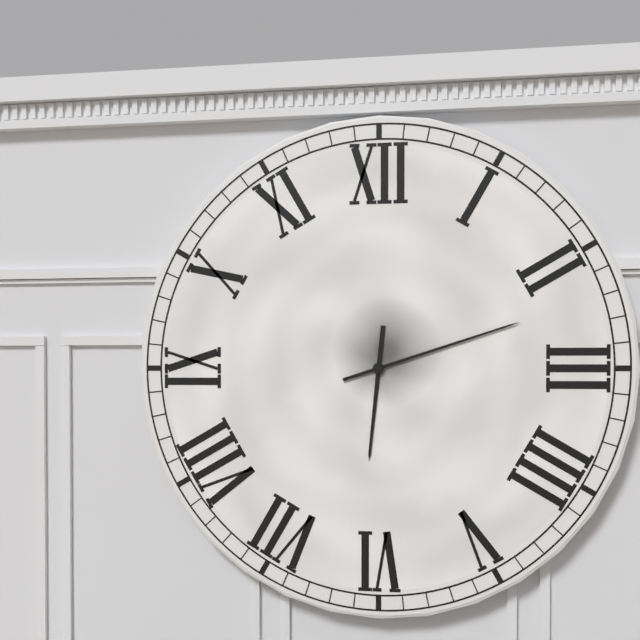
6:12
